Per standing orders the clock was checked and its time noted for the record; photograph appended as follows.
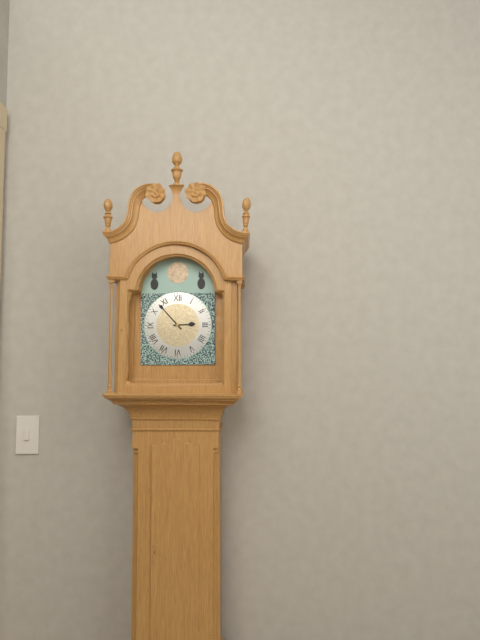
2:53
